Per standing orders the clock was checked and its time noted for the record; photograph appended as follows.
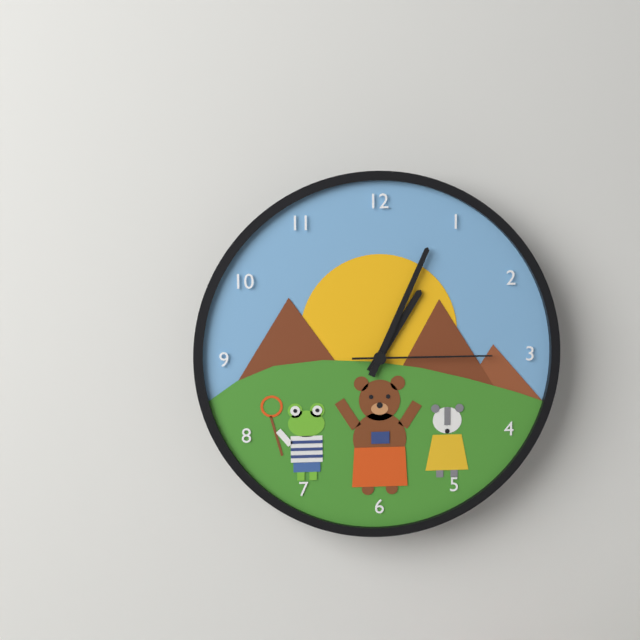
1:04:15
